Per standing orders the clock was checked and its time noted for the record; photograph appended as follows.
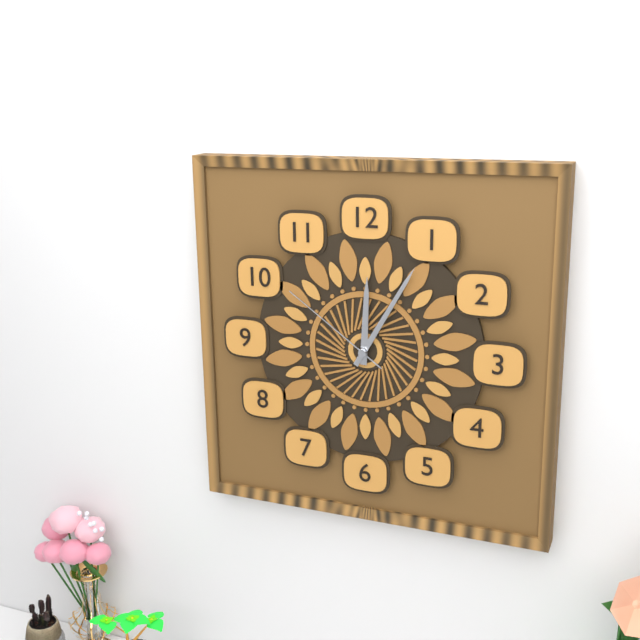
12:05:51
